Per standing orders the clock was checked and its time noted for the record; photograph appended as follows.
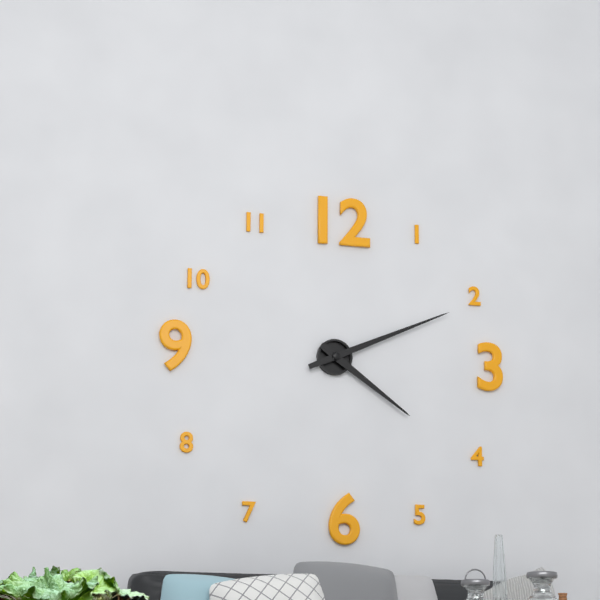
4:11
